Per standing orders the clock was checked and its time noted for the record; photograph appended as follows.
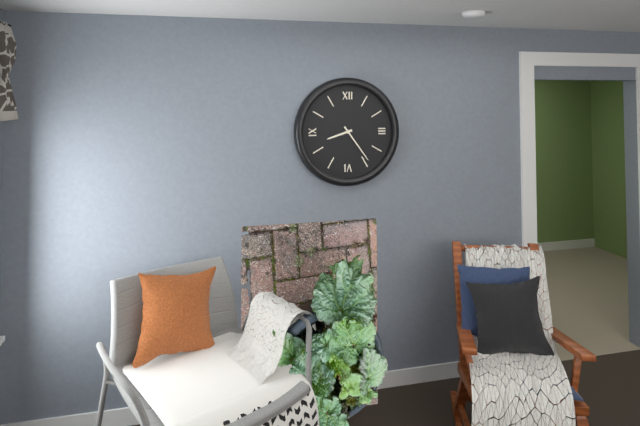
8:24
